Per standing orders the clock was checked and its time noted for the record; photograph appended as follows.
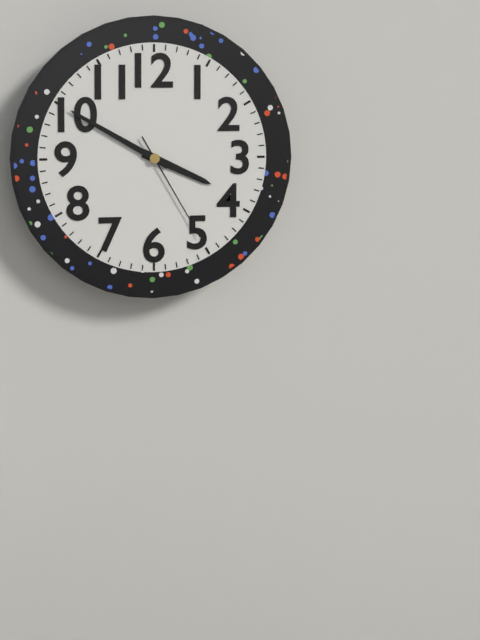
3:50:25
